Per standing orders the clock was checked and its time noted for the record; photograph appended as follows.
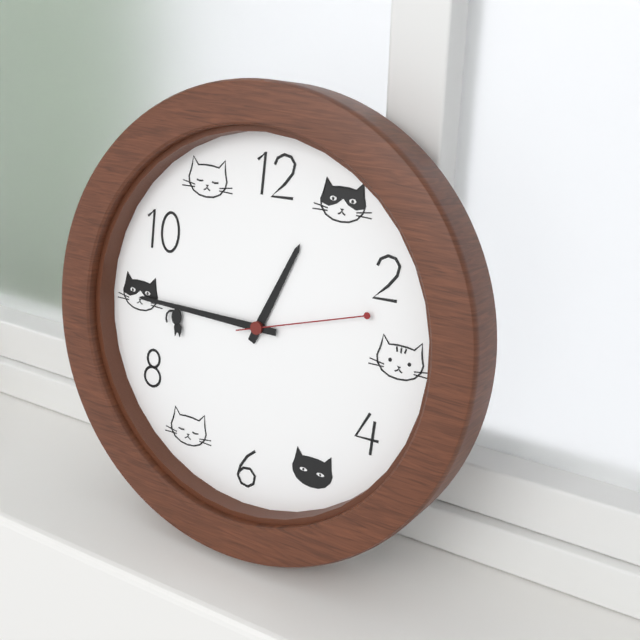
12:45:12
